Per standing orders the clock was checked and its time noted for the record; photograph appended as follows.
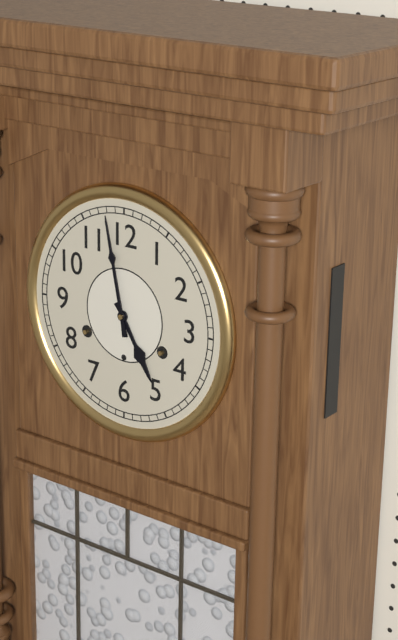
4:58
